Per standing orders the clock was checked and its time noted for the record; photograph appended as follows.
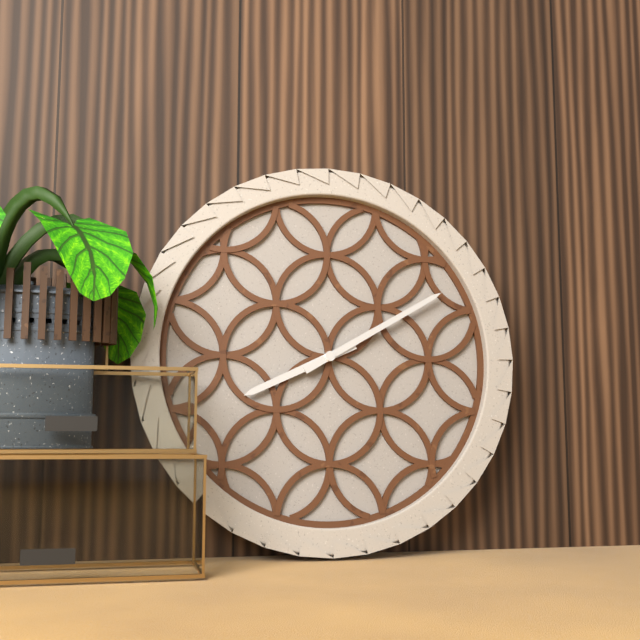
8:10
